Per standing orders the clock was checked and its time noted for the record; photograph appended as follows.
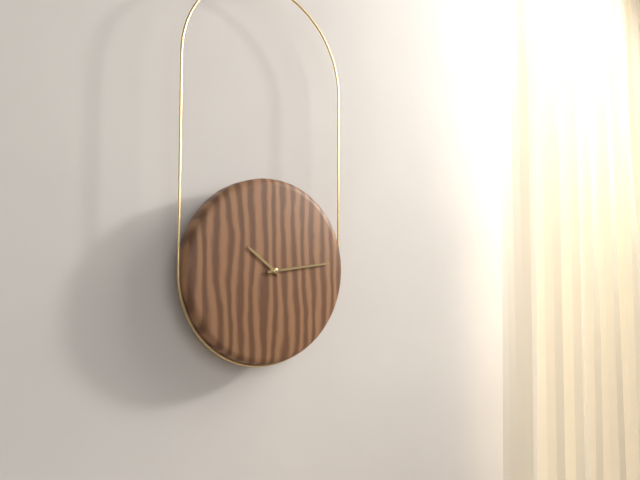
10:14
